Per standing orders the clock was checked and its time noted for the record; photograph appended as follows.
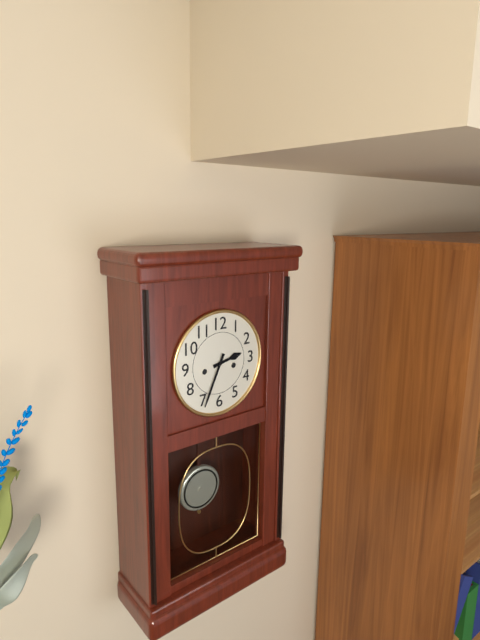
2:34
